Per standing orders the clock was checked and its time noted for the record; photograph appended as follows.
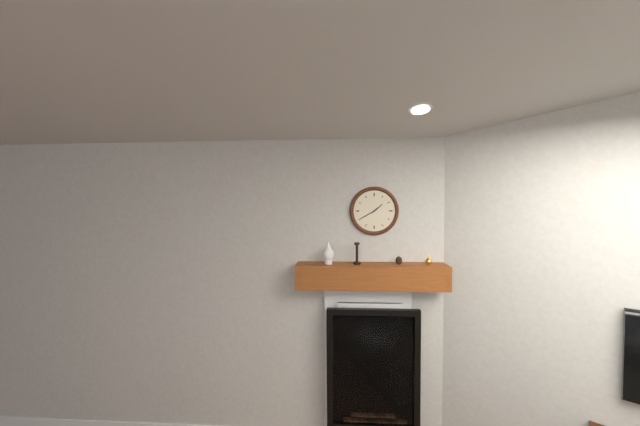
1:40
